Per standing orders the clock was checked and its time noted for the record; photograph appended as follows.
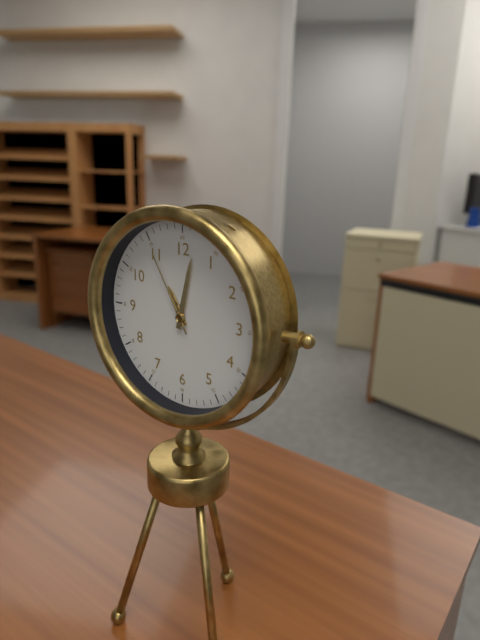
11:02:55
